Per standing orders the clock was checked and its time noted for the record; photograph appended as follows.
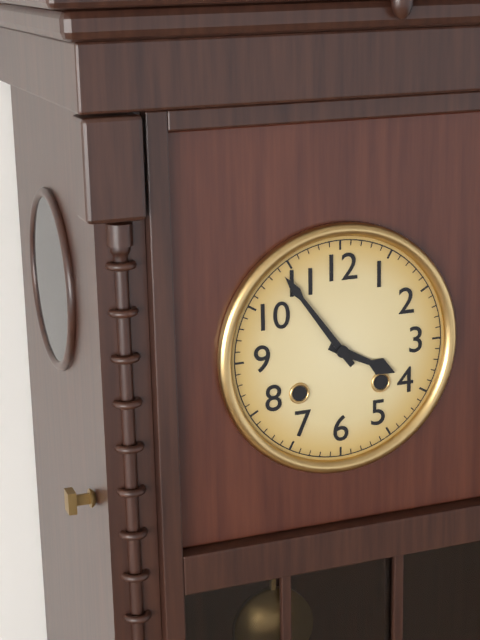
3:54
